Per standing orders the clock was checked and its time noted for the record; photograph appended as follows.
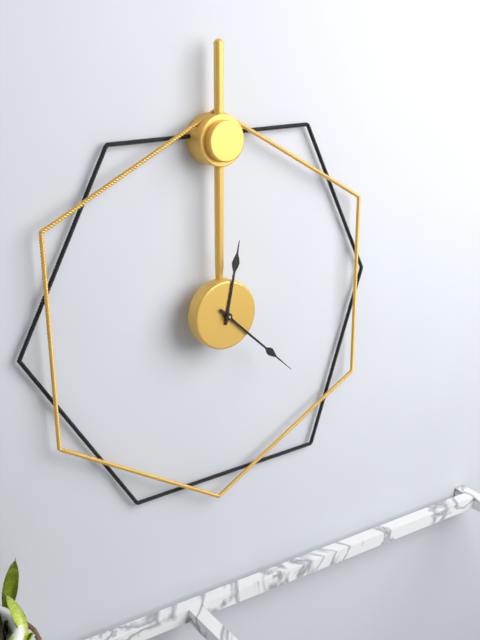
12:22
